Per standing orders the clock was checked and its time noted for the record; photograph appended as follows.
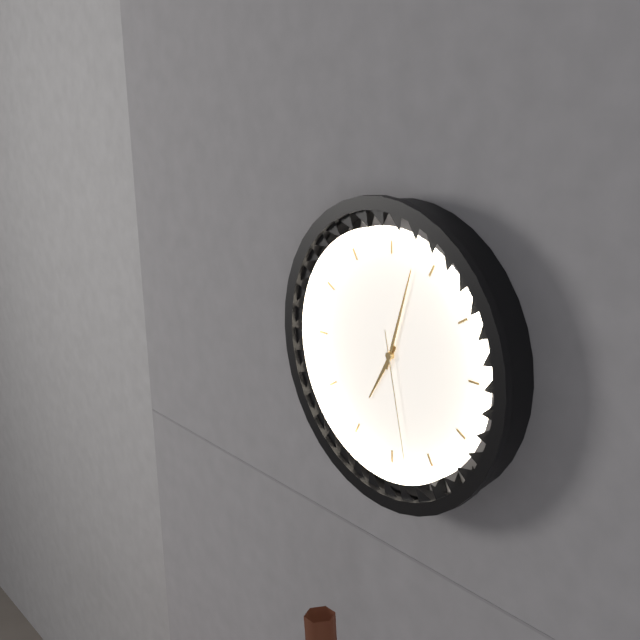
7:03:28
